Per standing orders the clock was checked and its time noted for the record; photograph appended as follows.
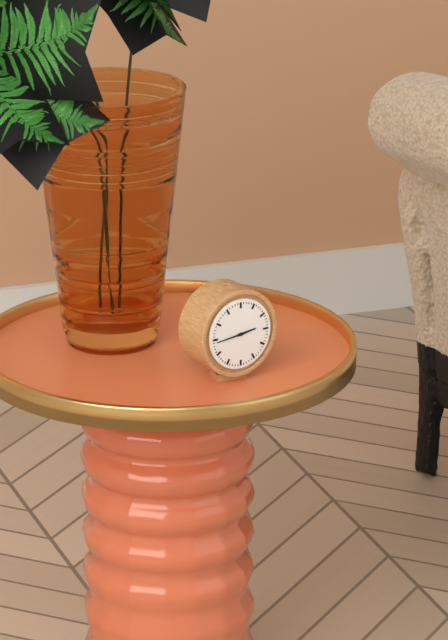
2:44
